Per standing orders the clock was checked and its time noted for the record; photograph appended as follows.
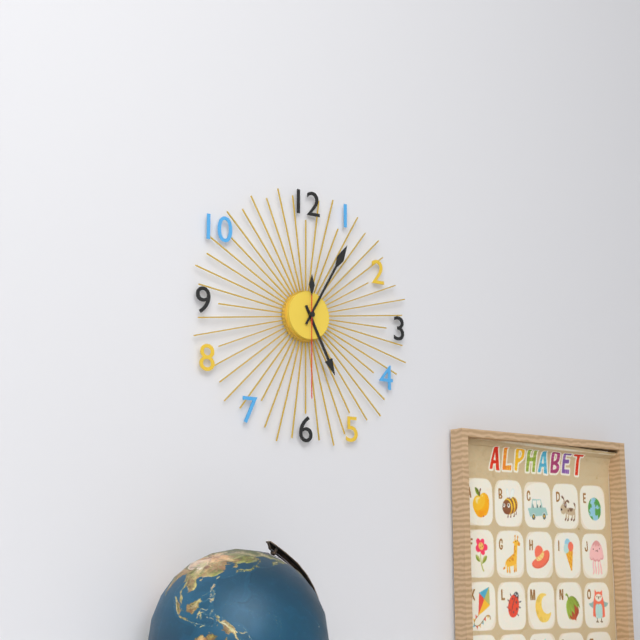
5:05:30
